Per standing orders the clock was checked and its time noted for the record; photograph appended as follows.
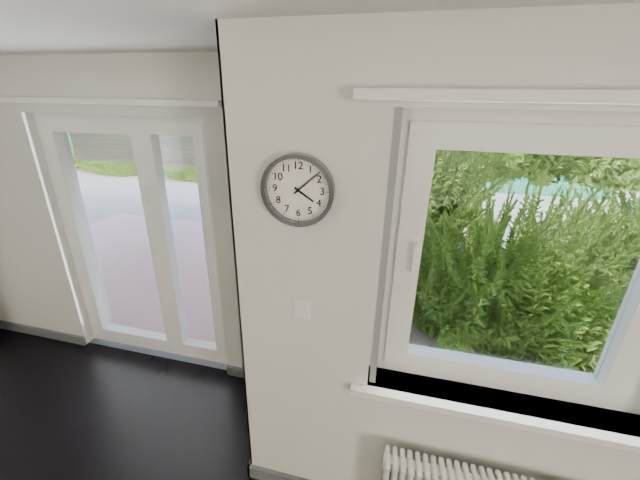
4:08
